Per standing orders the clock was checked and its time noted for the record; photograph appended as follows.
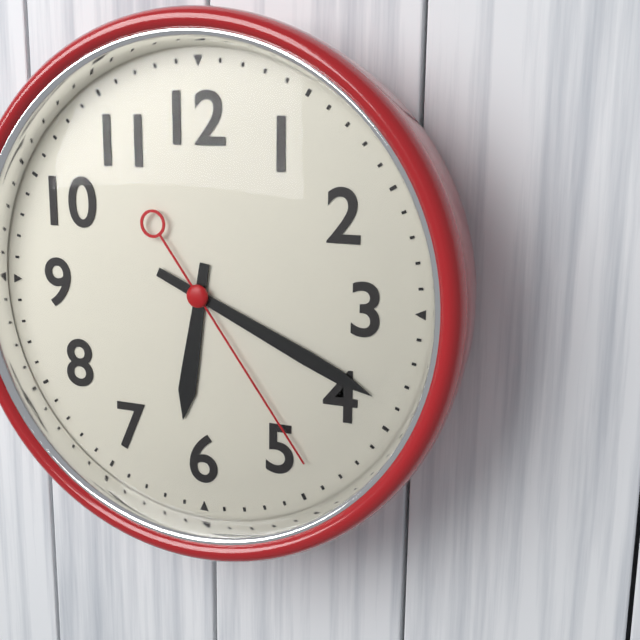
6:19:24
